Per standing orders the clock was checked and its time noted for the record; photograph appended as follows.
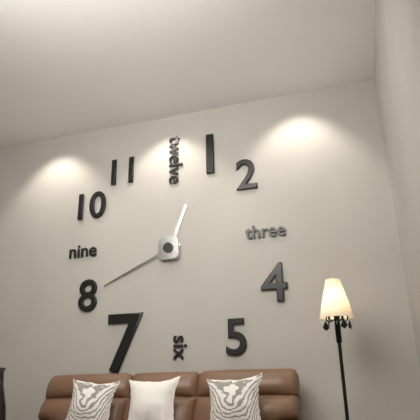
12:41
